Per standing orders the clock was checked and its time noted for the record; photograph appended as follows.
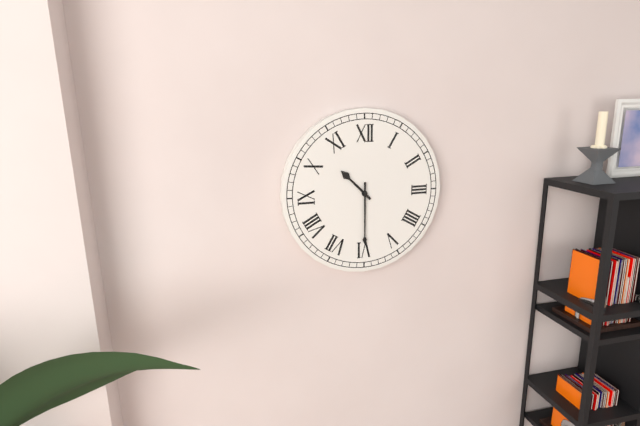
10:30
